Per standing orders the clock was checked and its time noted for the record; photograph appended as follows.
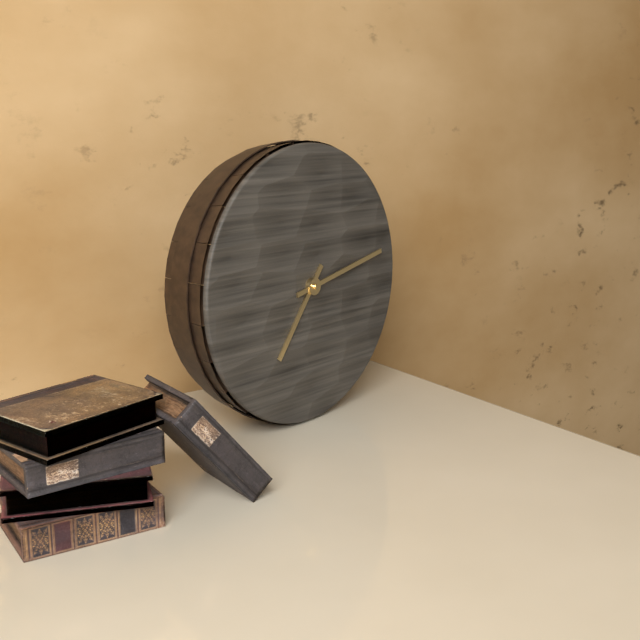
7:13
